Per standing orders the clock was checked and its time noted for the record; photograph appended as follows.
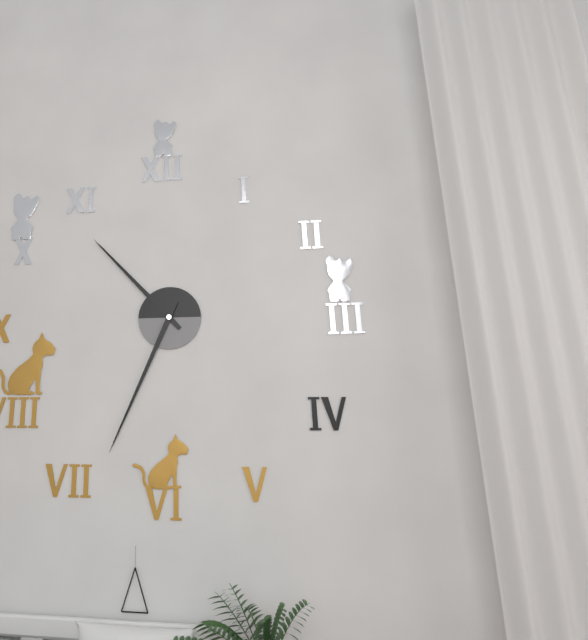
10:34
